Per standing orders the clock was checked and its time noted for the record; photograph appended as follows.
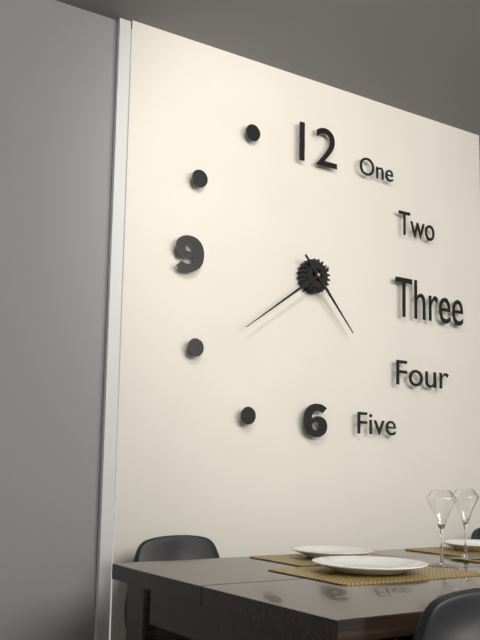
4:39
